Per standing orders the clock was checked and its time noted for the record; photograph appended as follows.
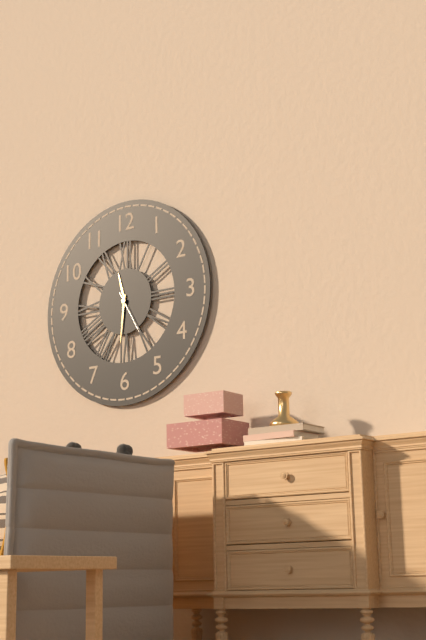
11:31
